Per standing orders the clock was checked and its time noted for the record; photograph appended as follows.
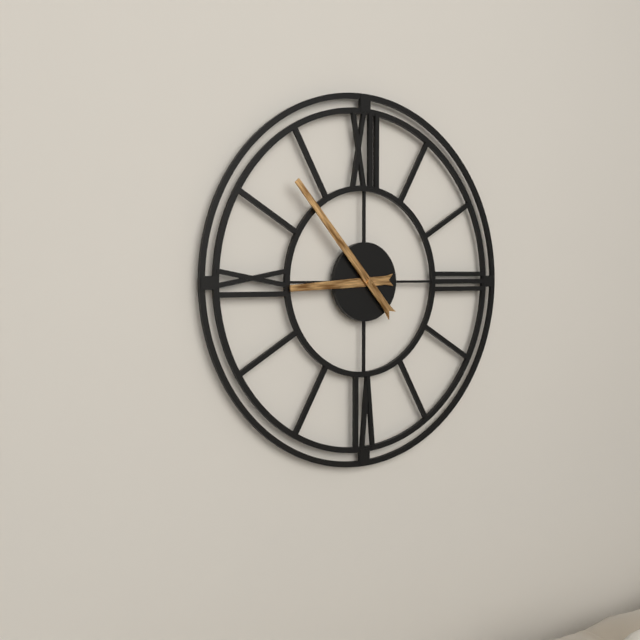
8:53
